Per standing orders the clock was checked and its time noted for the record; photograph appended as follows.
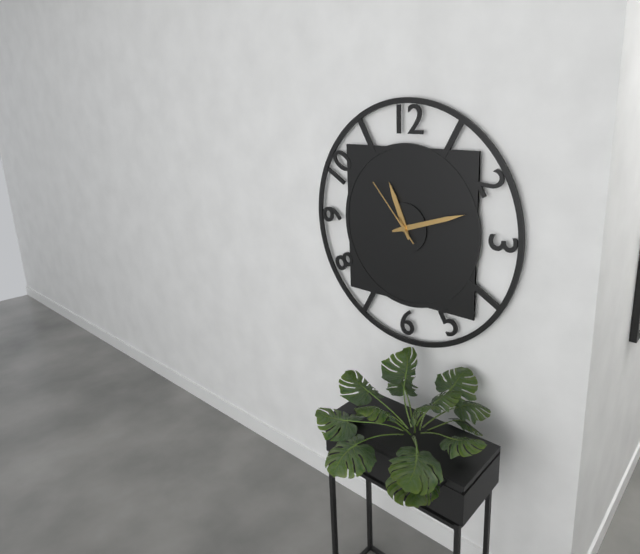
11:12:53
